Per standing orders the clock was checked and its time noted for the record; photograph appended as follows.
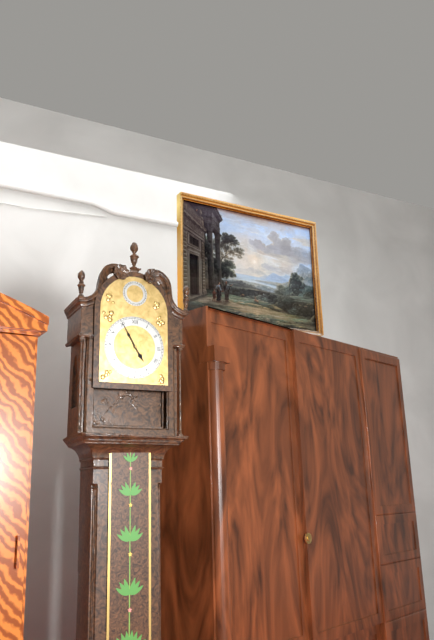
4:55
